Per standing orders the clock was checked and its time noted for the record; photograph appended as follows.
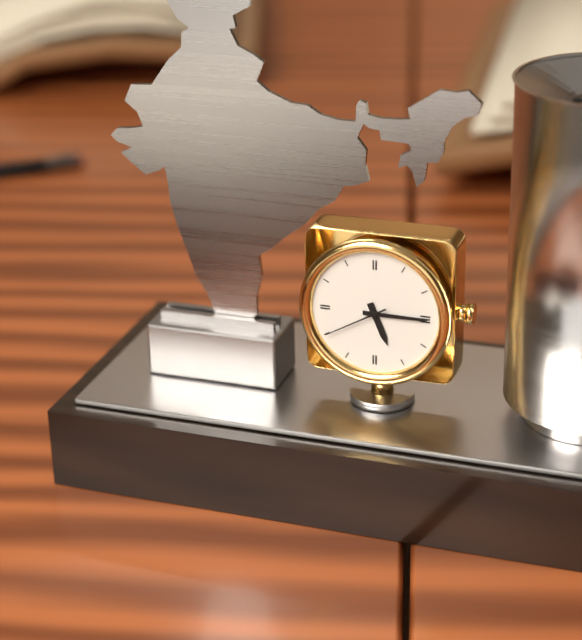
5:15:40
